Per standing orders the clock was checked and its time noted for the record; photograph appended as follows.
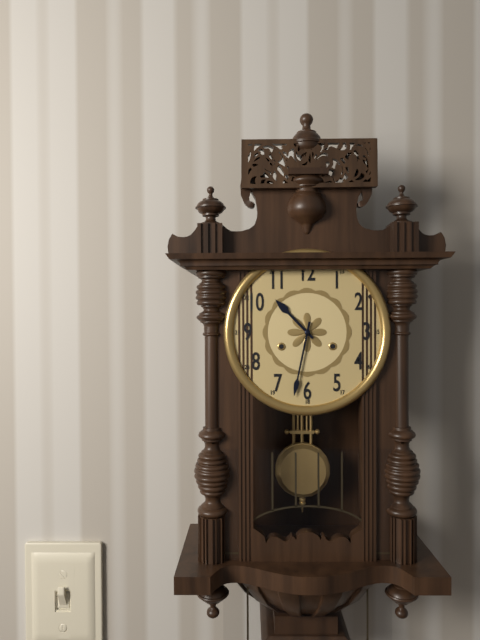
10:32
